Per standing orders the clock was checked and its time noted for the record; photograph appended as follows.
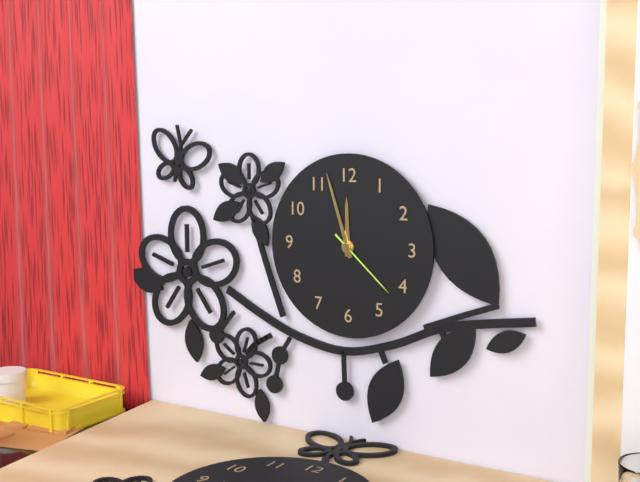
11:57:22
